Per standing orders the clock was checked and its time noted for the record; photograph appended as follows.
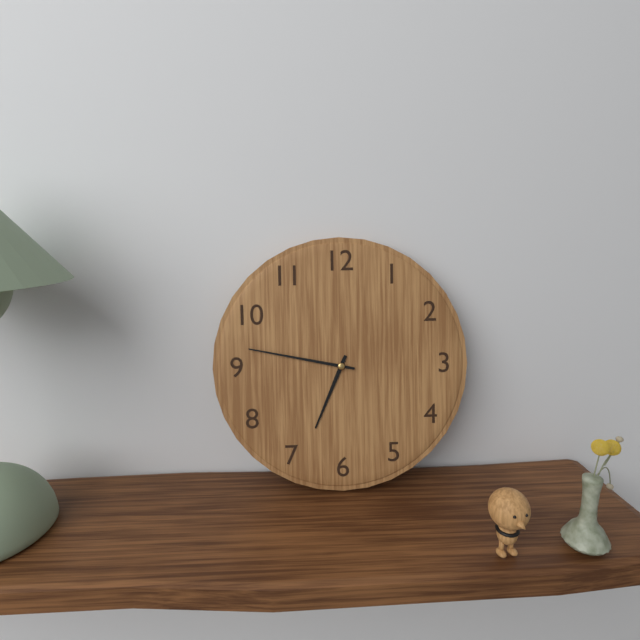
6:47
